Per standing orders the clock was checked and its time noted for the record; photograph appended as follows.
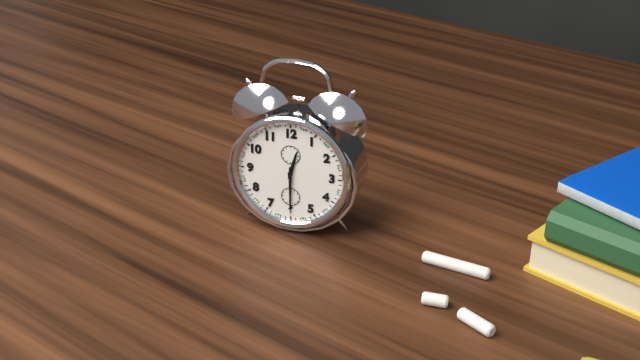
12:30
